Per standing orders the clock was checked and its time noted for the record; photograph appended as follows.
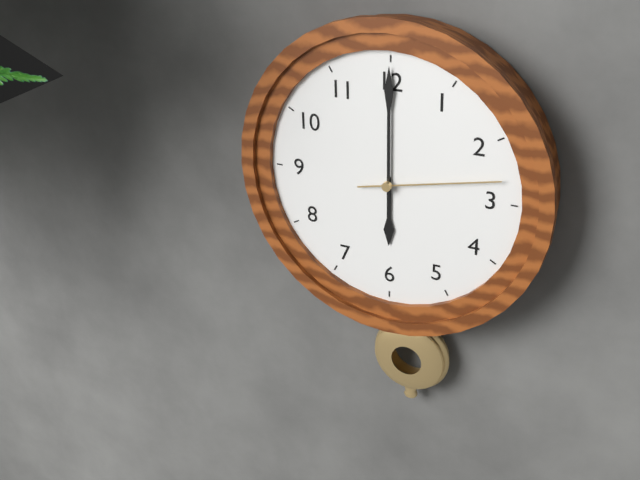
6:00:13
